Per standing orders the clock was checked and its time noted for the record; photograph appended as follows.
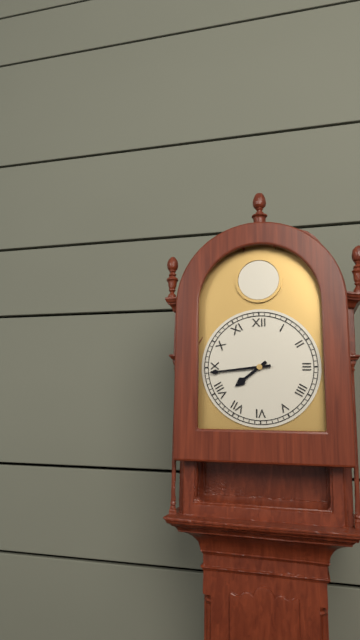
7:44
